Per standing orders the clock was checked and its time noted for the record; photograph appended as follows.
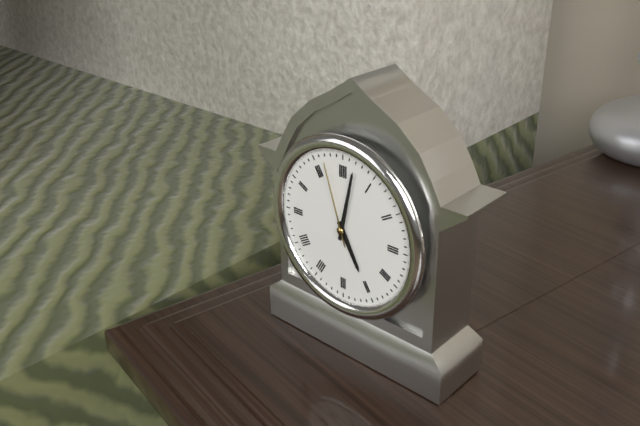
5:02:57
